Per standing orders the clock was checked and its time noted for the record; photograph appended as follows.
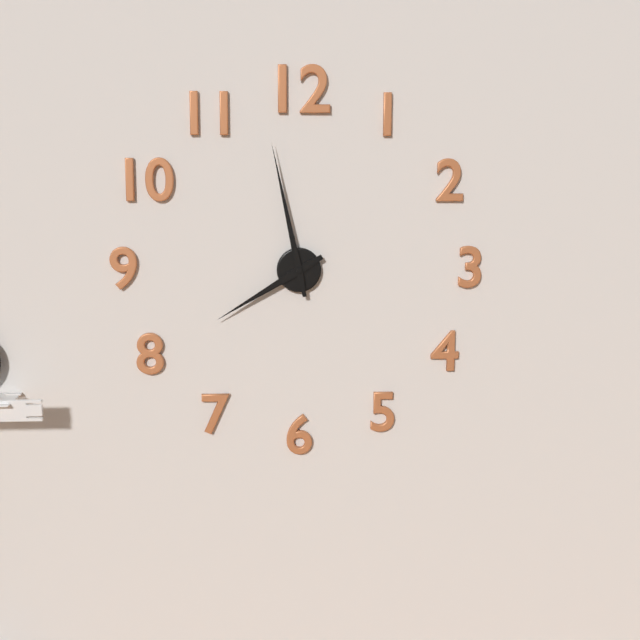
7:58
